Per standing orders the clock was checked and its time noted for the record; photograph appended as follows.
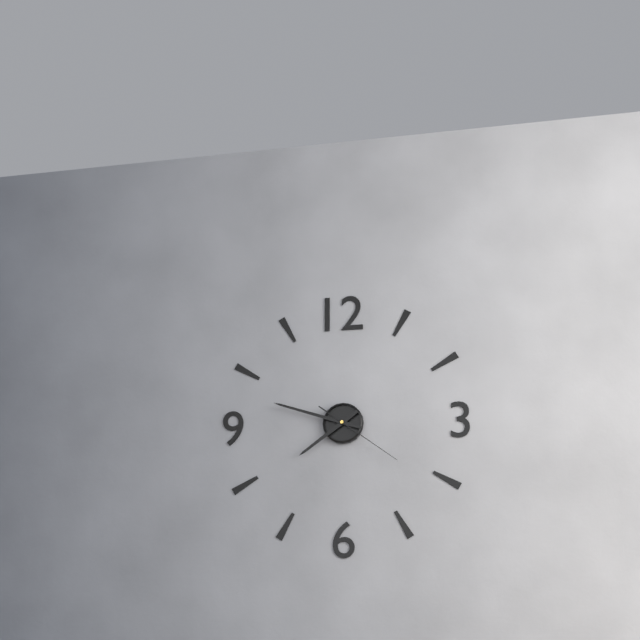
7:48:21
